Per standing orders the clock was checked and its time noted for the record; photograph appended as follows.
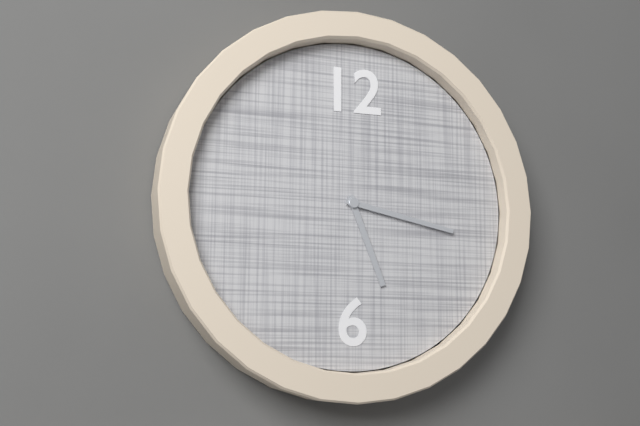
5:17
